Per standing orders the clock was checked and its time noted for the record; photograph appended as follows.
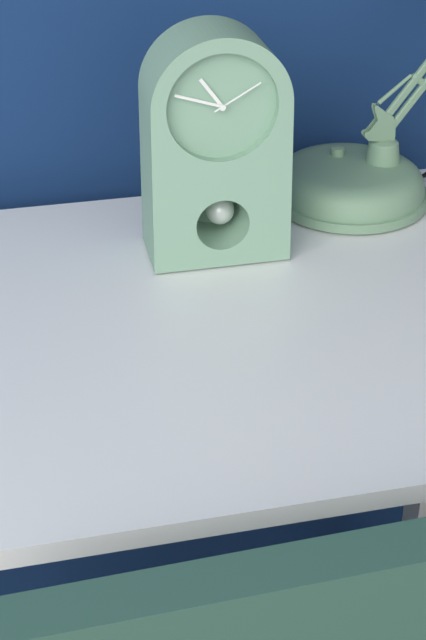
10:48:10
